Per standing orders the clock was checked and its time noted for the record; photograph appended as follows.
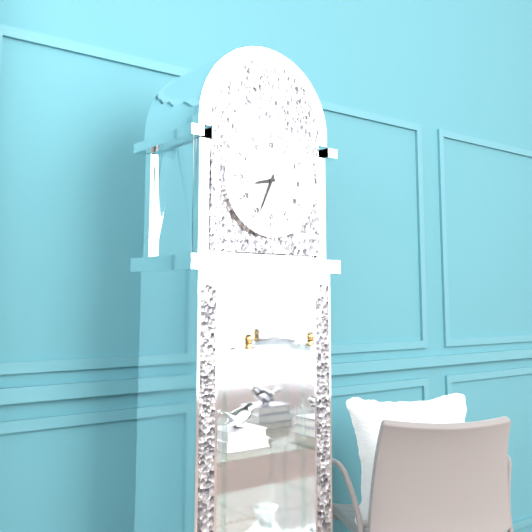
8:34
